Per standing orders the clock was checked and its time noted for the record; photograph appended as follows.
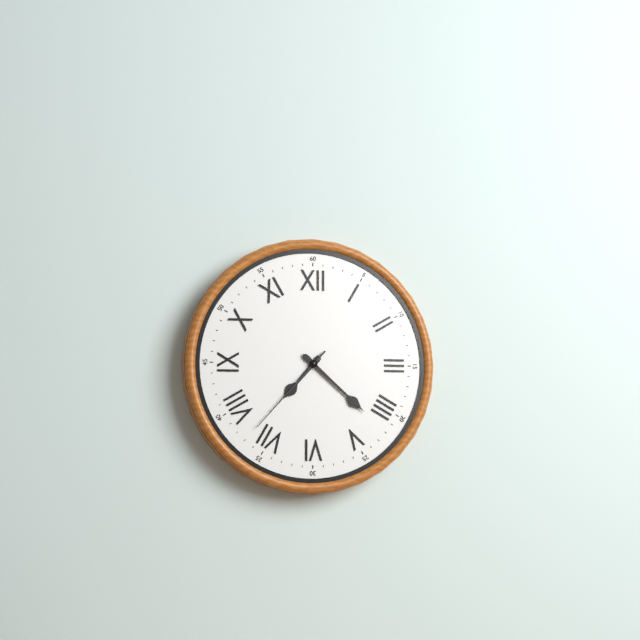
7:22:37
